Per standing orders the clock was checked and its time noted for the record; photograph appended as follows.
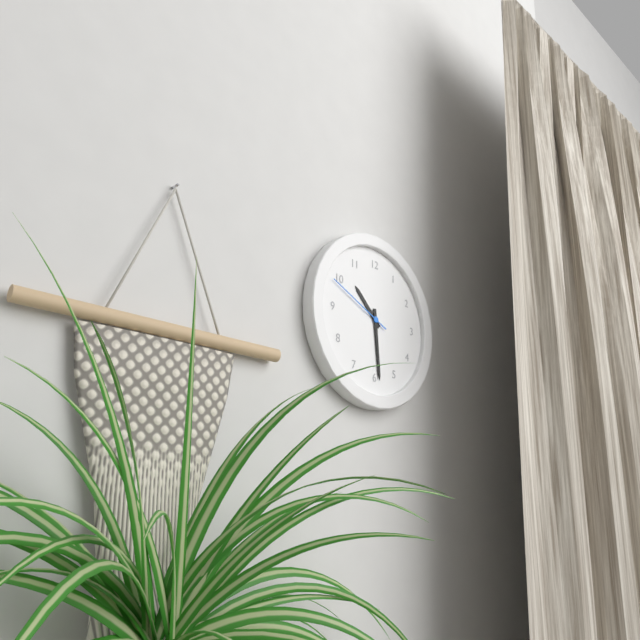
10:29:49
